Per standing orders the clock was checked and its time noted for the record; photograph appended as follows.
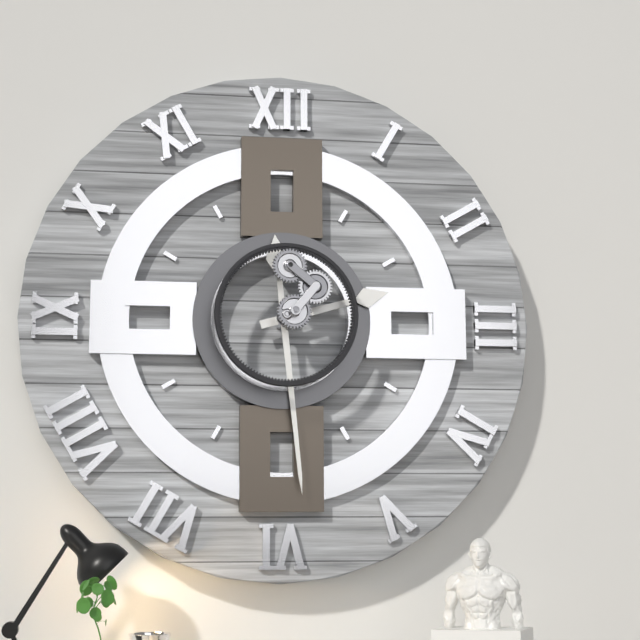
2:29
